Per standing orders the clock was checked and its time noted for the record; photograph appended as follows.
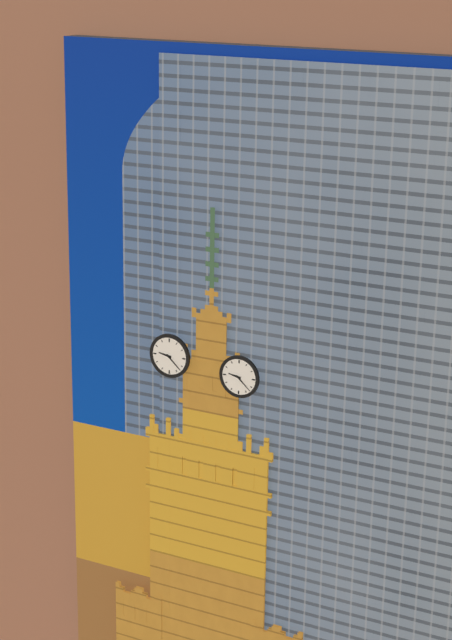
9:22
